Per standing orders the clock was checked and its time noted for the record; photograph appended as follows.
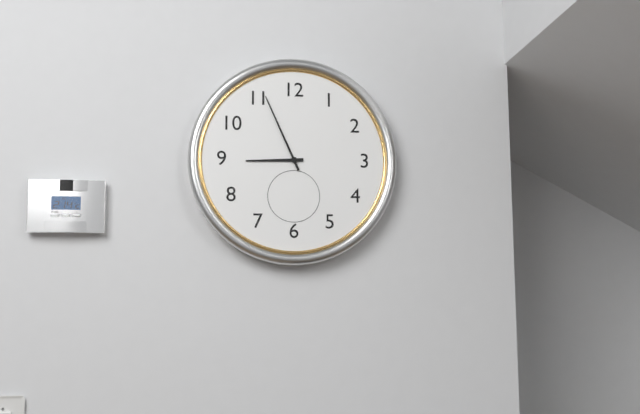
8:56
